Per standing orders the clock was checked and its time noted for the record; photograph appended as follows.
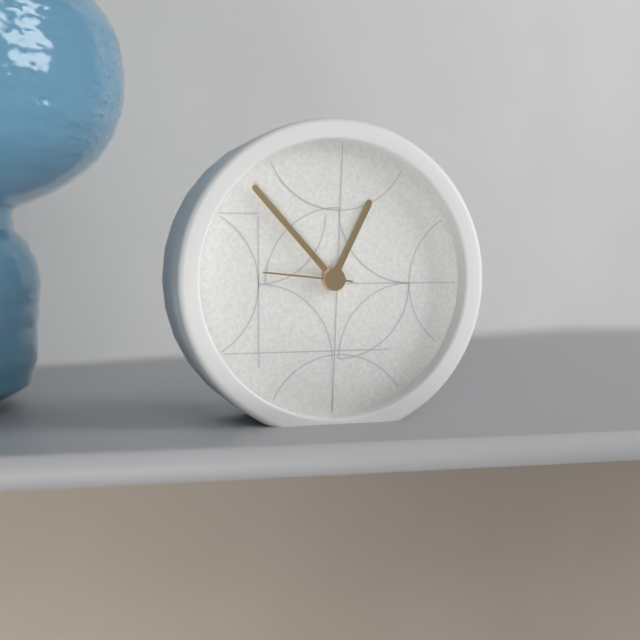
12:53:46
